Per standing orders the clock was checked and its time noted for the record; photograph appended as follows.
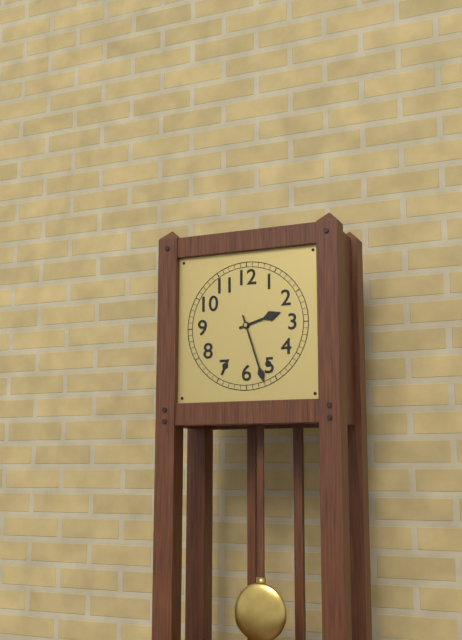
2:27
